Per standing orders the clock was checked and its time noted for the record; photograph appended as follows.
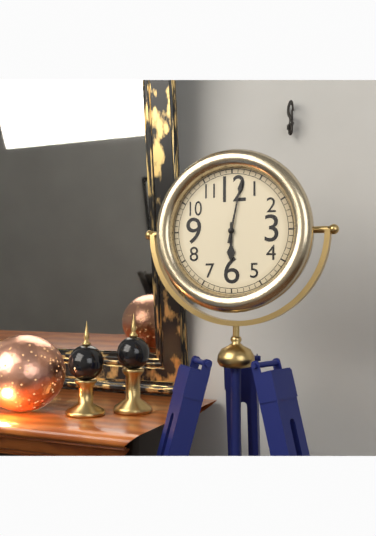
6:02
